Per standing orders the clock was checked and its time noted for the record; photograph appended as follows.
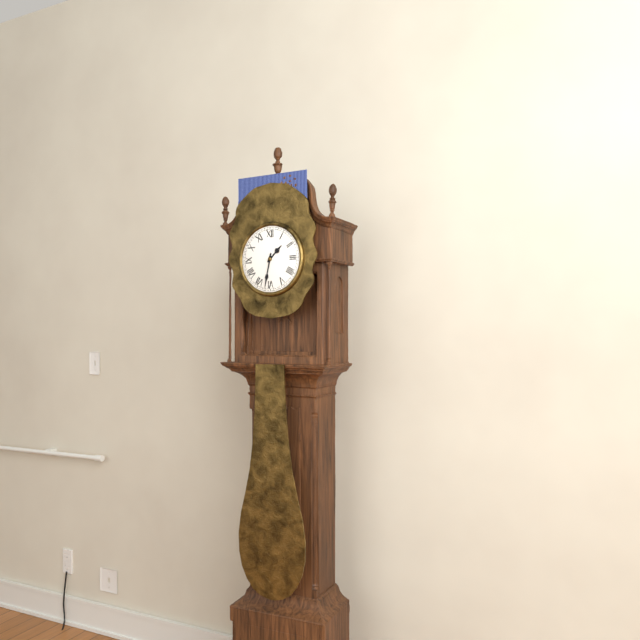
1:32
